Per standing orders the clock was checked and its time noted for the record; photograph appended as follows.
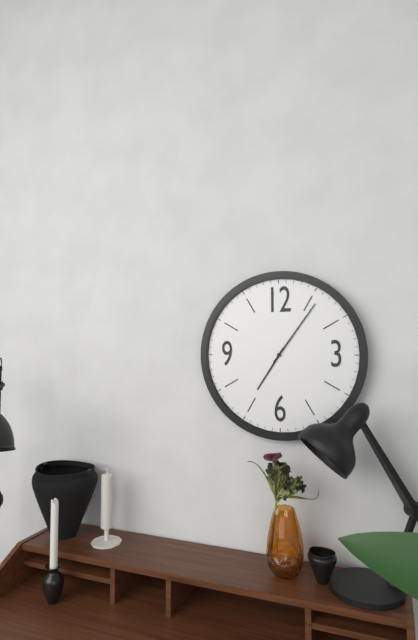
7:06
